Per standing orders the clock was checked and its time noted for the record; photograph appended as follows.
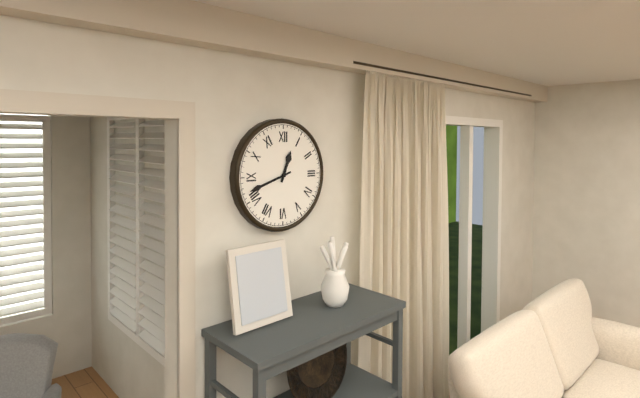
12:42
